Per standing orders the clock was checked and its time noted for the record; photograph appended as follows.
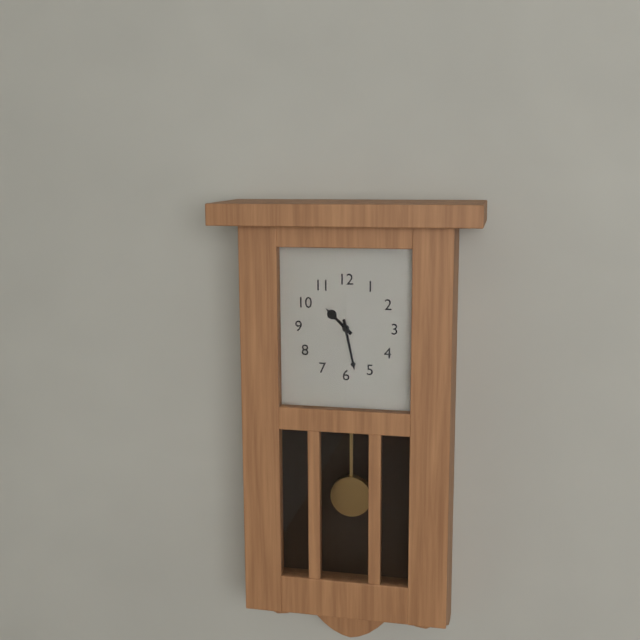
10:28
